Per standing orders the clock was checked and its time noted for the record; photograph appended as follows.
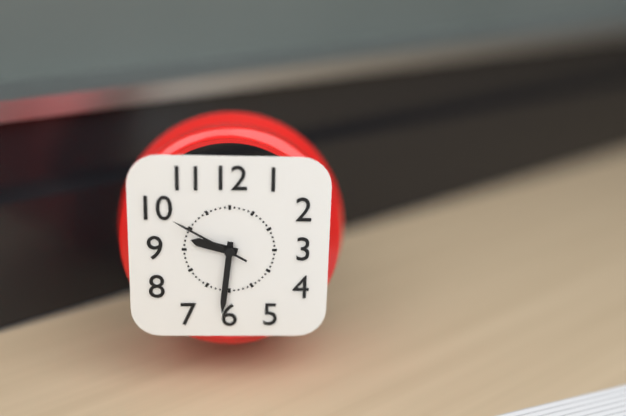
9:31:50
